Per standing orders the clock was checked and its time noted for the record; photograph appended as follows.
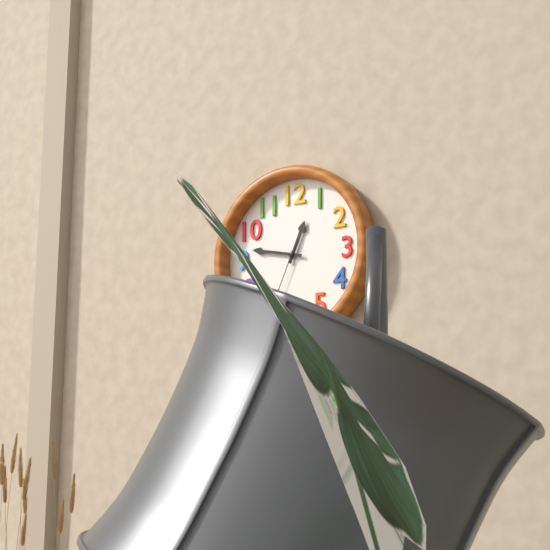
12:47
